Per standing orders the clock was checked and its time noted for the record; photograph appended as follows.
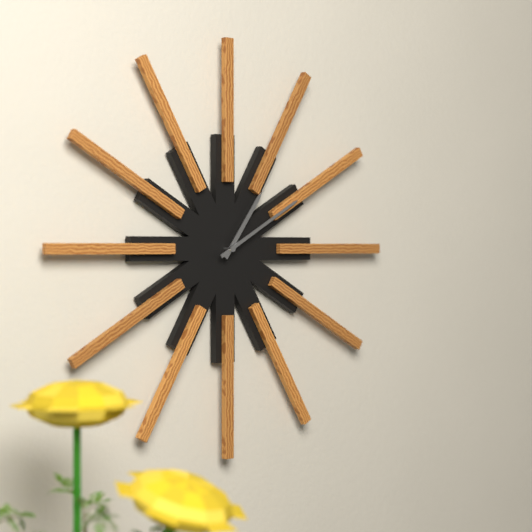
1:10
